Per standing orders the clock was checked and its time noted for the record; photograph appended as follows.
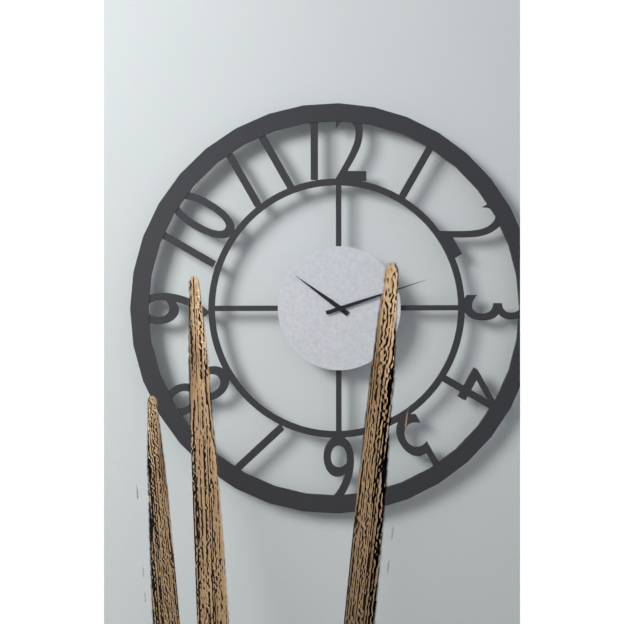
10:12
